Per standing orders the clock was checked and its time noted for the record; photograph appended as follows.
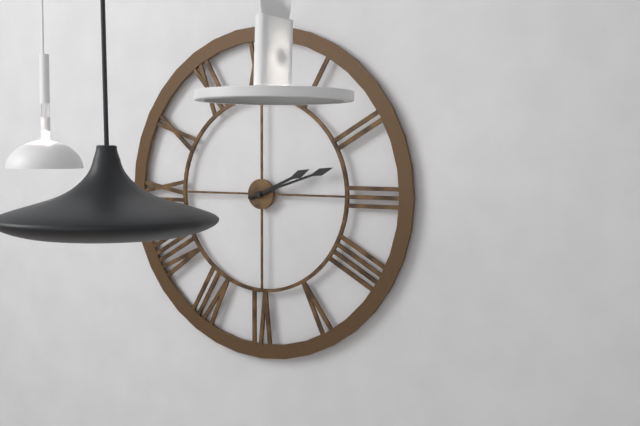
2:12
